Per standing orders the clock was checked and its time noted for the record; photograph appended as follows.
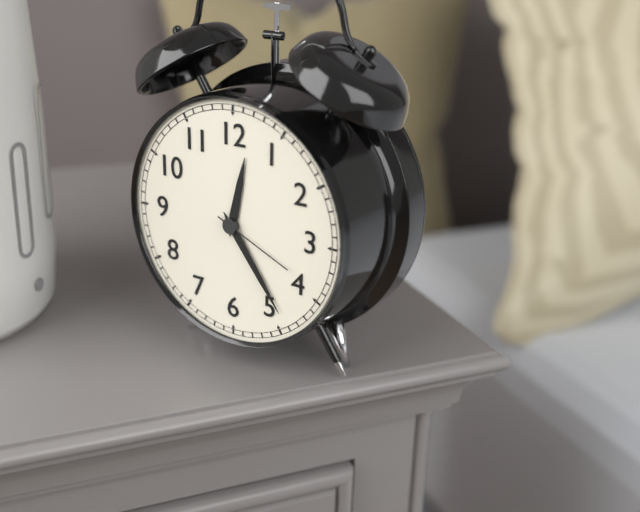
12:24:19
